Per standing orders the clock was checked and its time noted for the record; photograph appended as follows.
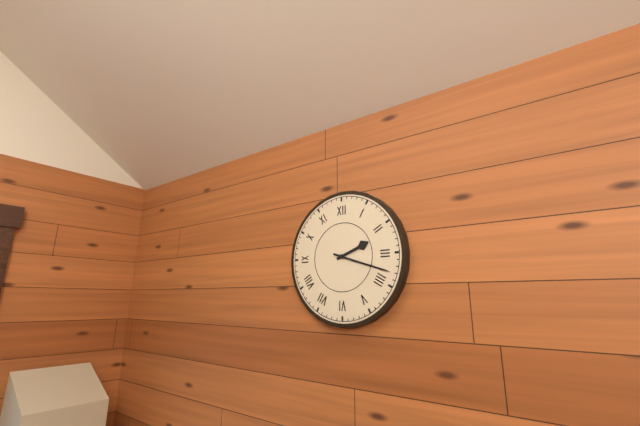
2:18
